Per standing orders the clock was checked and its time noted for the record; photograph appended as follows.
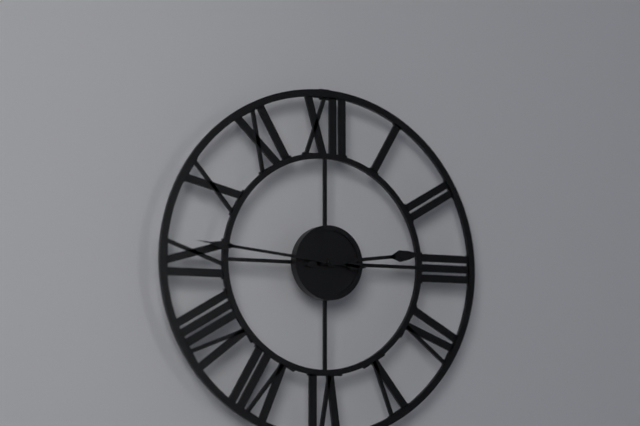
2:46
